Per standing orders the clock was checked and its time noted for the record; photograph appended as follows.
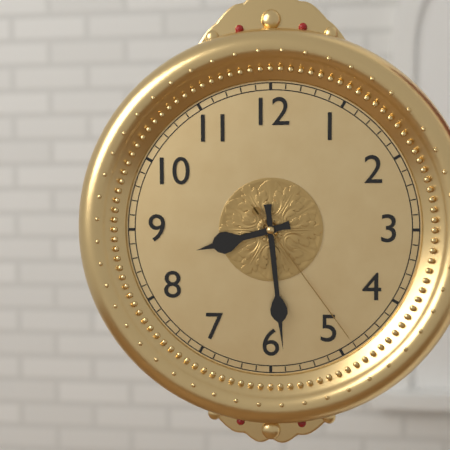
8:29:24
